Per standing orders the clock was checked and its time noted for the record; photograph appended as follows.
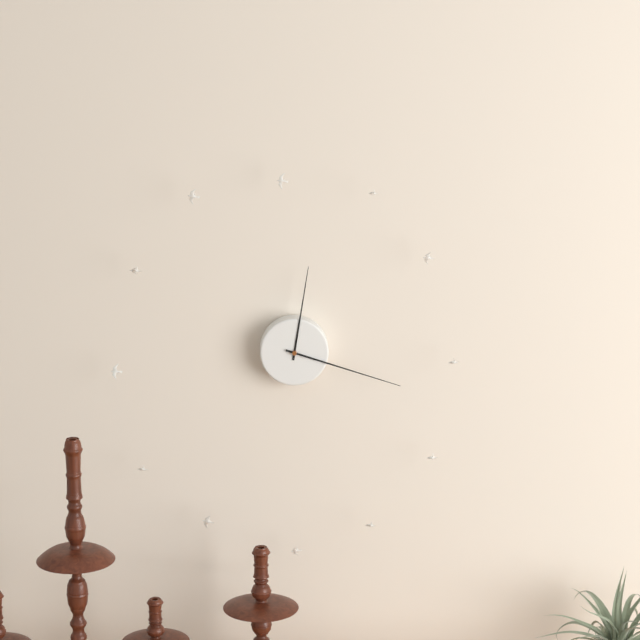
12:18
